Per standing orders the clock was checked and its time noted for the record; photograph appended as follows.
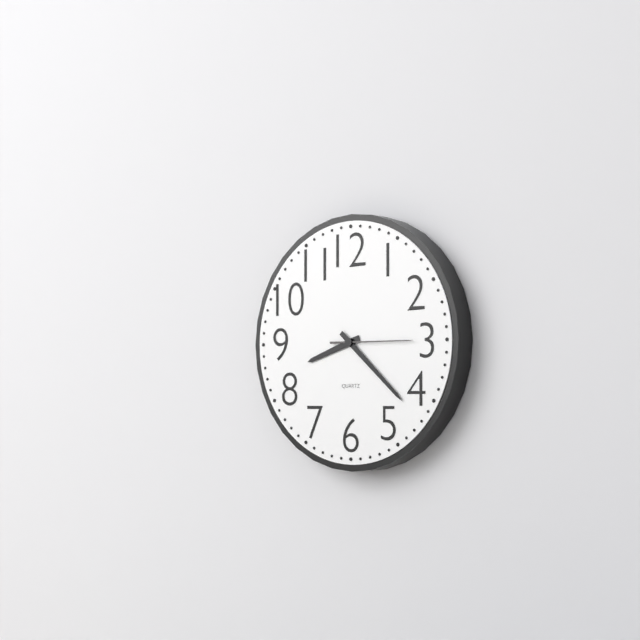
8:22:15
